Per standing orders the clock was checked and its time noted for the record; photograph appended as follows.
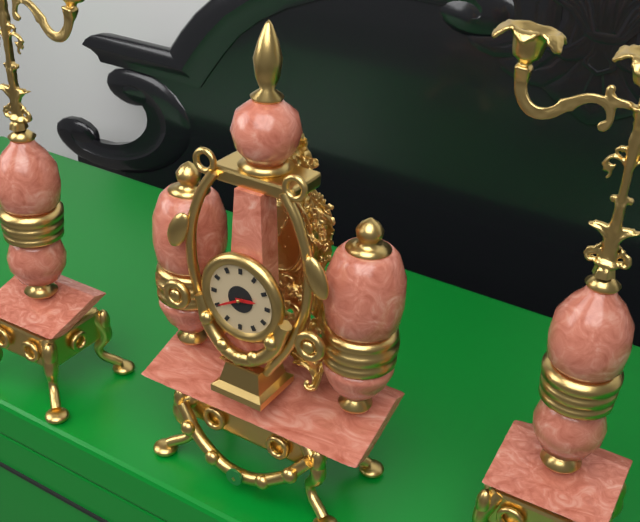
2:40
